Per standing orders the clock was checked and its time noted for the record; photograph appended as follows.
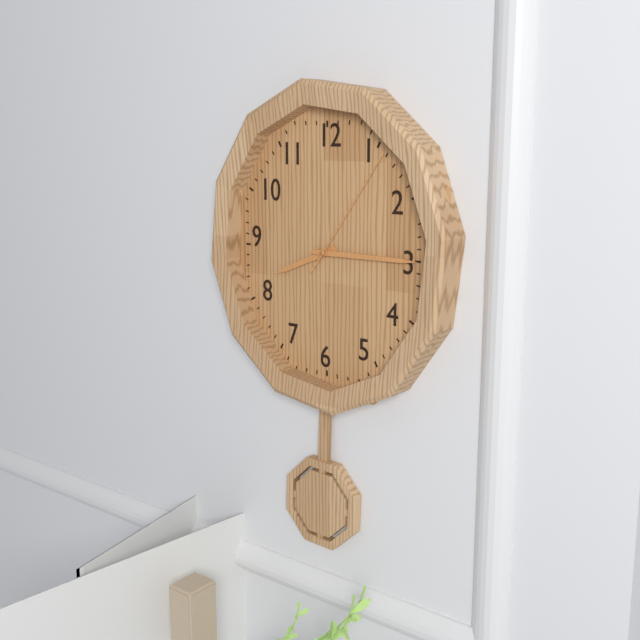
8:15:06
